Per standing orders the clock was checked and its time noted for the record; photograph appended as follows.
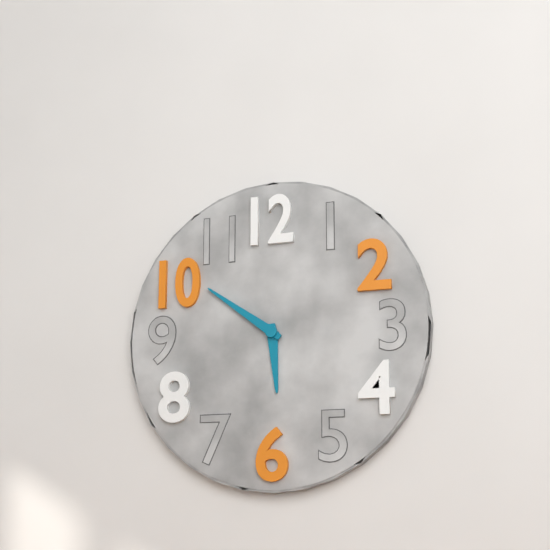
5:51
